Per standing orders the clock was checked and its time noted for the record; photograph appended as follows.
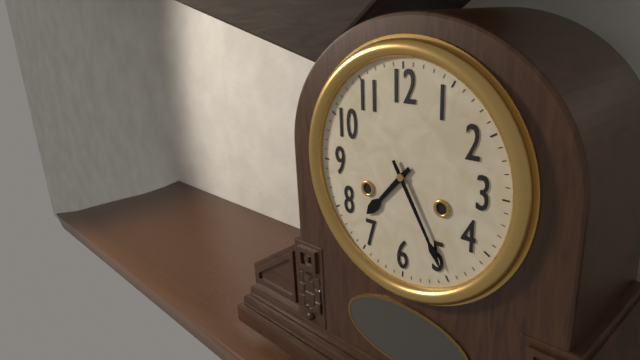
7:25
